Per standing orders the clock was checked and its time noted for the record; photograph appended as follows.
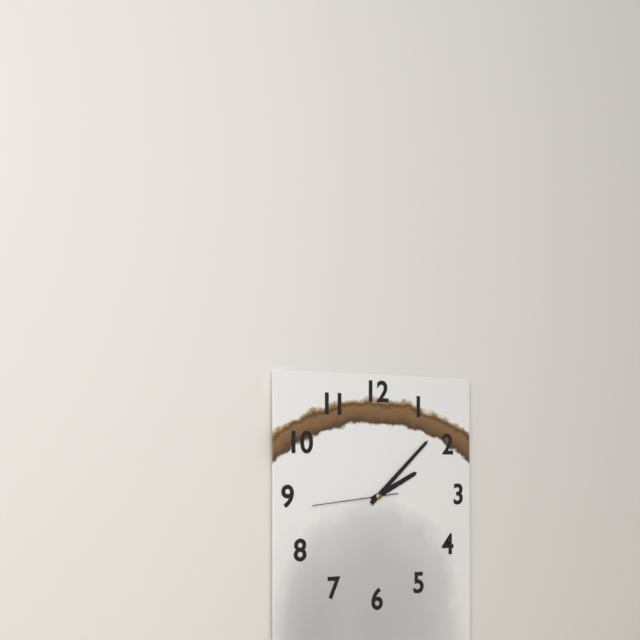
2:08:44
